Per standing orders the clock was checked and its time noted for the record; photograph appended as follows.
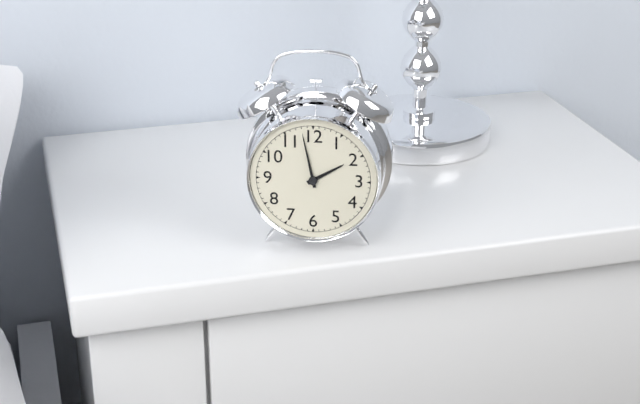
1:58
